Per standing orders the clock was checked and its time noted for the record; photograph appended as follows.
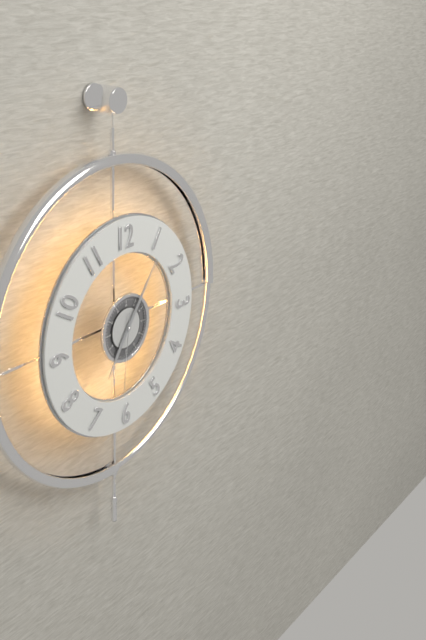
7:06:31
